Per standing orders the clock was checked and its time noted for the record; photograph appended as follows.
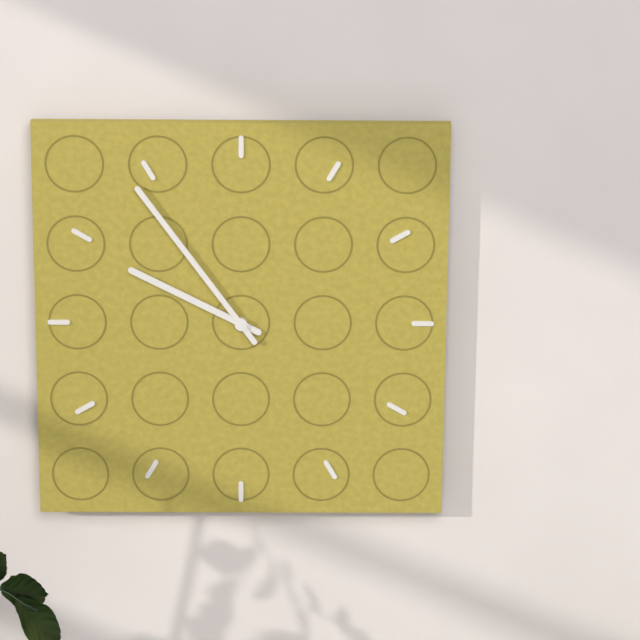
9:54
